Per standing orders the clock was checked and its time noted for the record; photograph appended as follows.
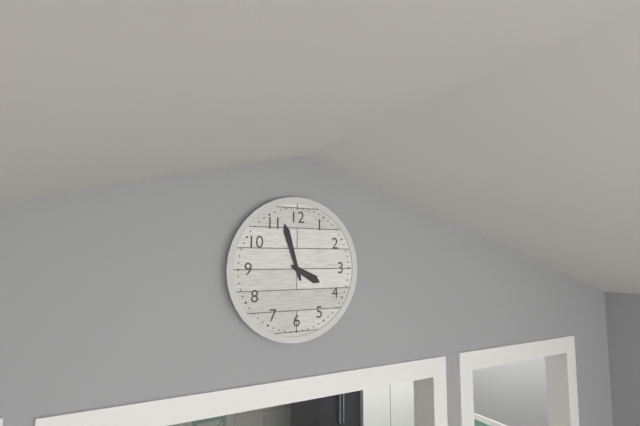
3:57
